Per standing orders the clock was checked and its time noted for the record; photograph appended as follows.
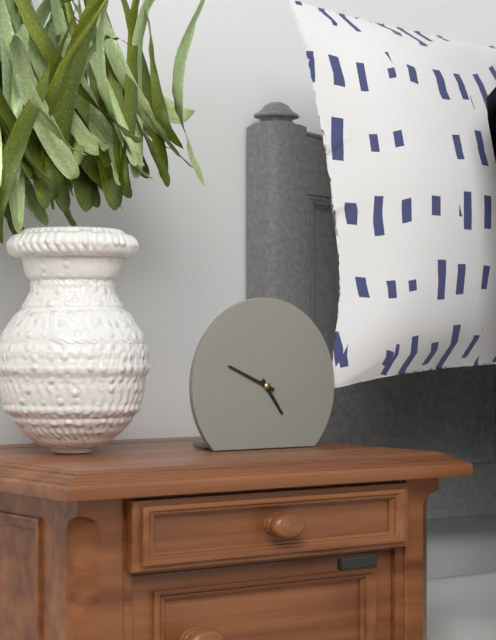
4:49
